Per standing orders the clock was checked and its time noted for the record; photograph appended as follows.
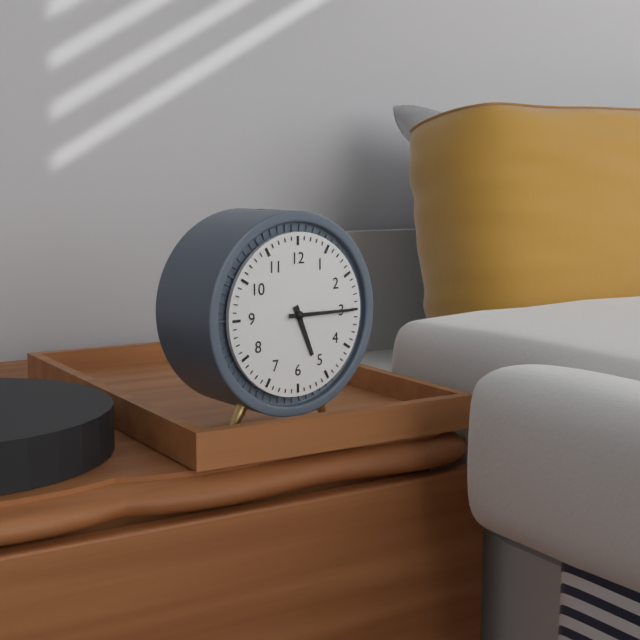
5:15
